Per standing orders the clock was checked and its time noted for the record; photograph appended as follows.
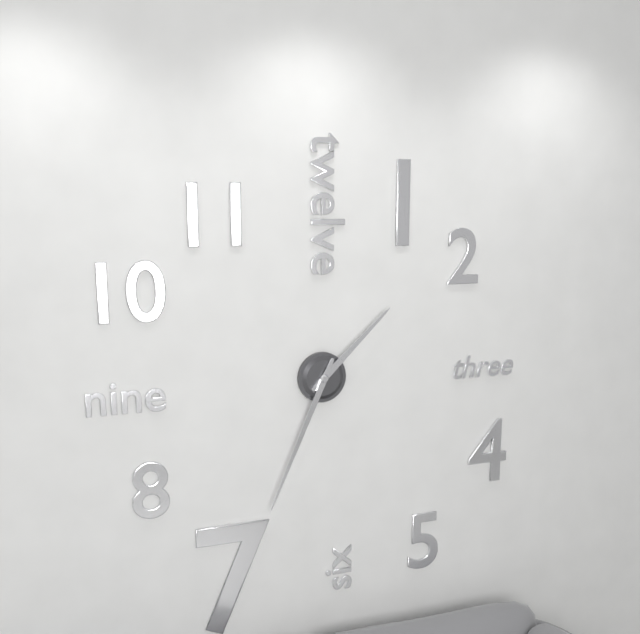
1:34
